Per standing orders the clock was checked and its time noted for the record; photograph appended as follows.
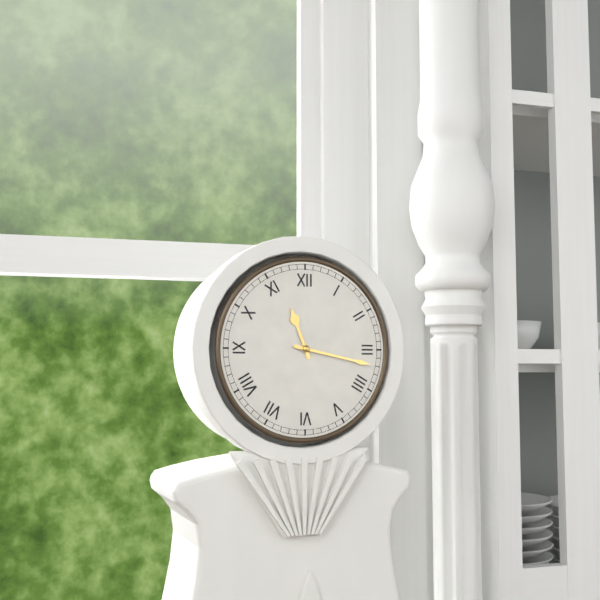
11:17
